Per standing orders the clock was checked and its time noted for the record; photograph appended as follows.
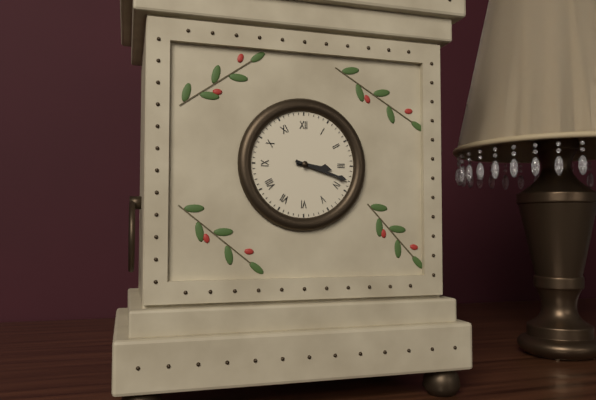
3:18
